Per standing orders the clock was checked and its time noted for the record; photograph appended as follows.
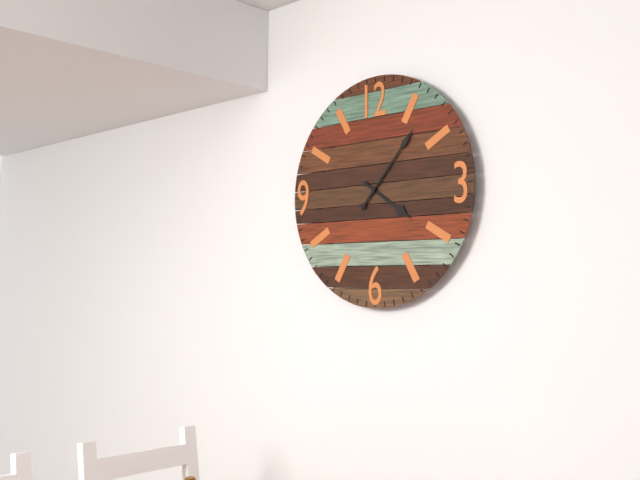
4:07
